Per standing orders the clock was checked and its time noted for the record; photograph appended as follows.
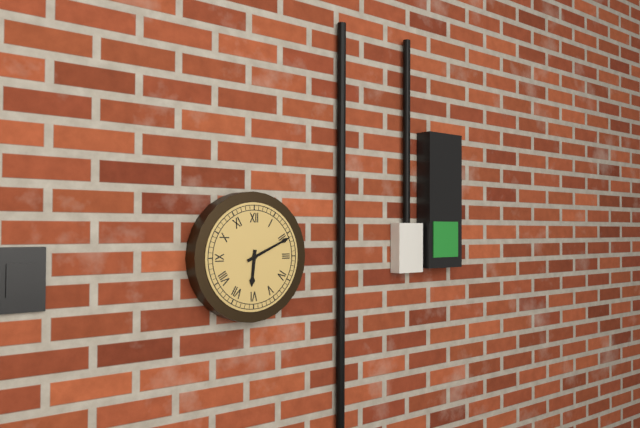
6:11
